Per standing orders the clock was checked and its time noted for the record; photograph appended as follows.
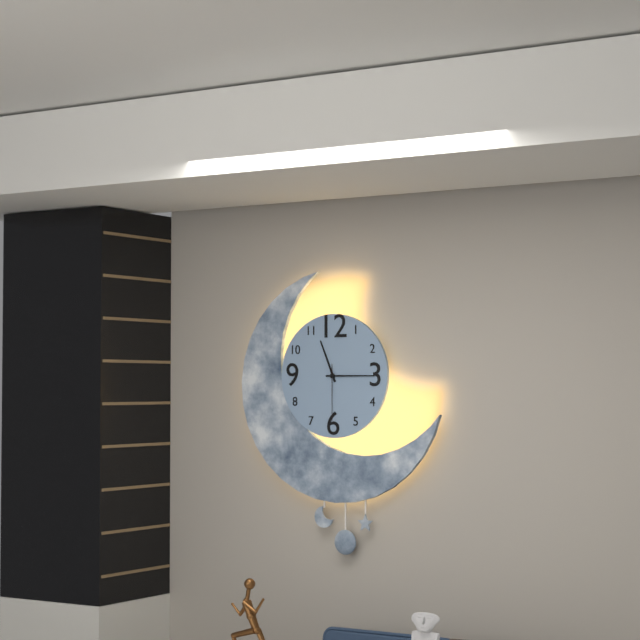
11:15:30
